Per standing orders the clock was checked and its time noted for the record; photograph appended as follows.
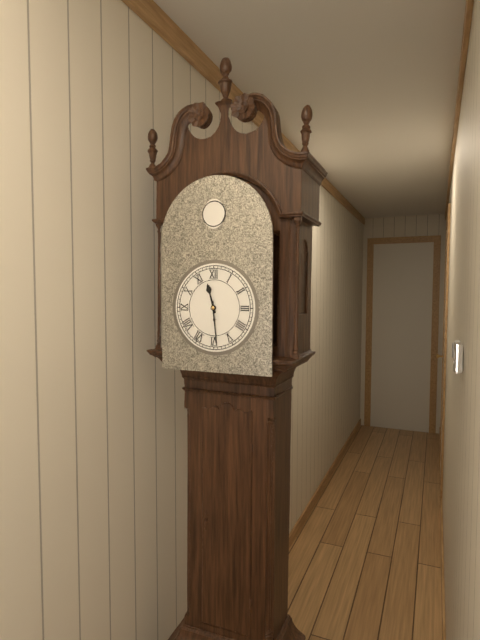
11:29
